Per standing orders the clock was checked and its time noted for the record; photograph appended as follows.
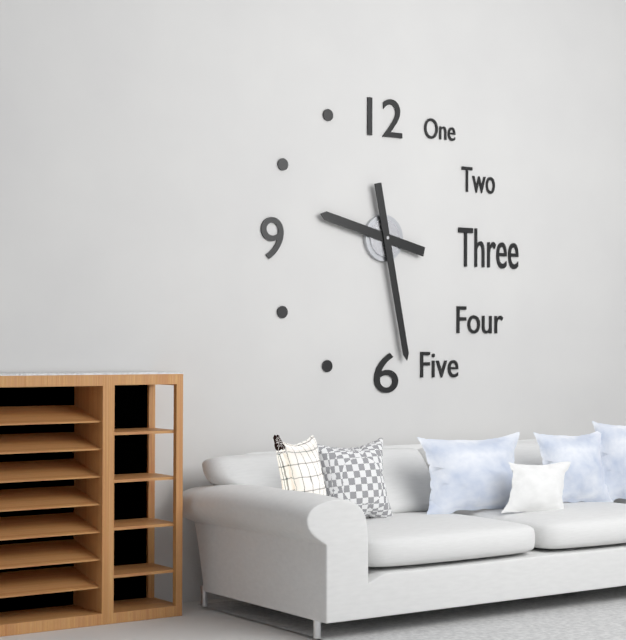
9:28
